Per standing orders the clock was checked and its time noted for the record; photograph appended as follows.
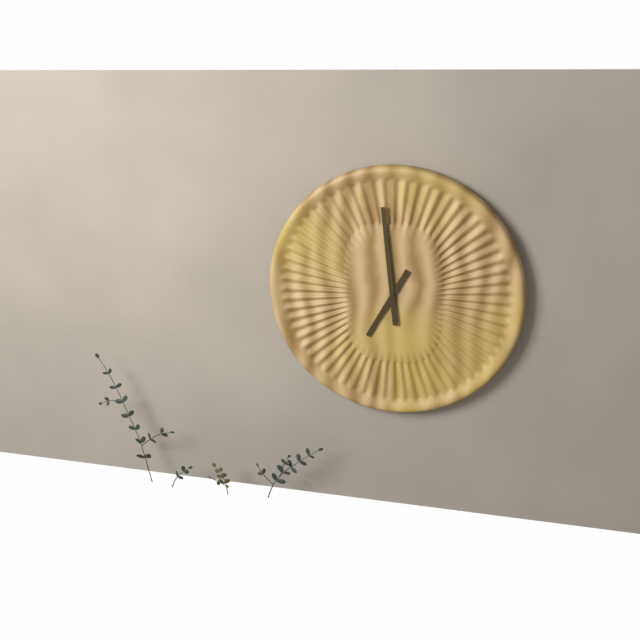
6:59
